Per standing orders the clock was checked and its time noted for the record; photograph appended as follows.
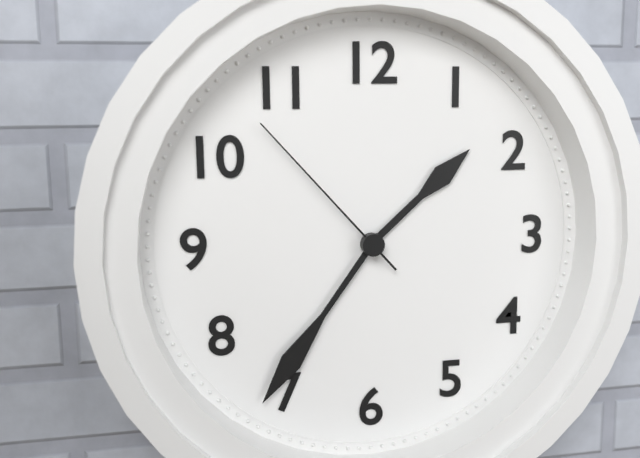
1:36:53
